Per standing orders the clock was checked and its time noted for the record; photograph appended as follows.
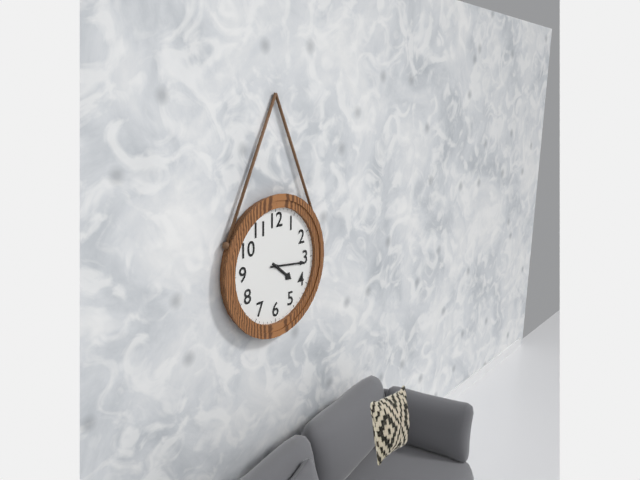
4:16
